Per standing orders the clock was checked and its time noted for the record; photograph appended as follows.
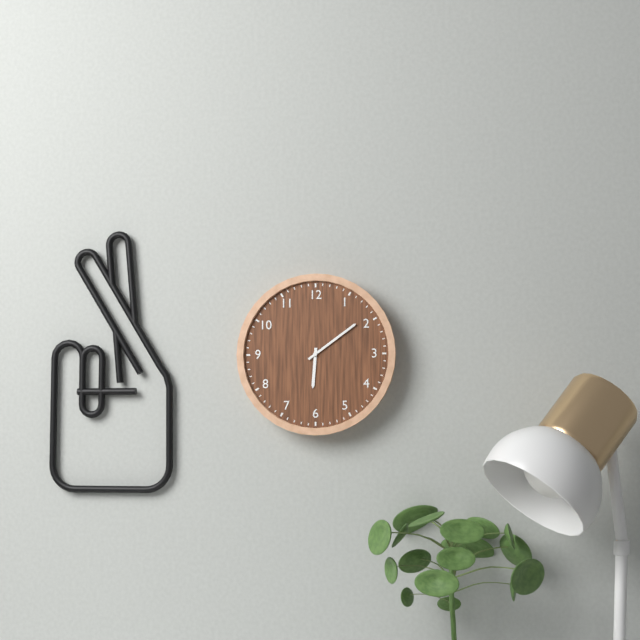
6:09
